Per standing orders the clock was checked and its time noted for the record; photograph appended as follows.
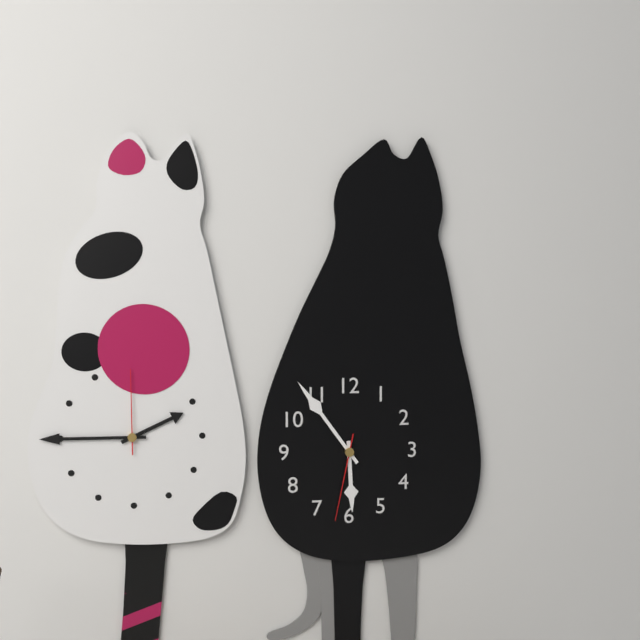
5:54:32
